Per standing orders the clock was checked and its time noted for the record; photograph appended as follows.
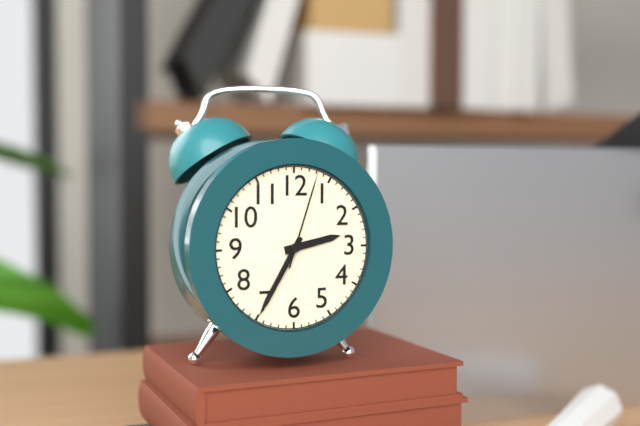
2:35:03
